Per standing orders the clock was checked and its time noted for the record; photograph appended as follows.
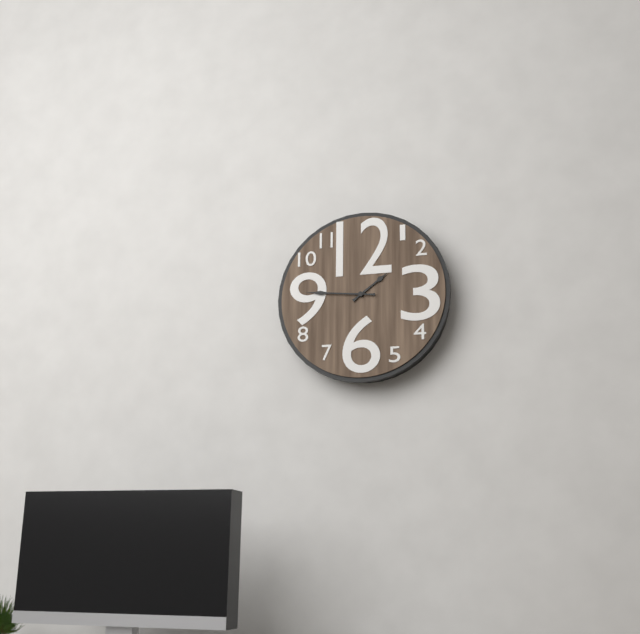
1:46
